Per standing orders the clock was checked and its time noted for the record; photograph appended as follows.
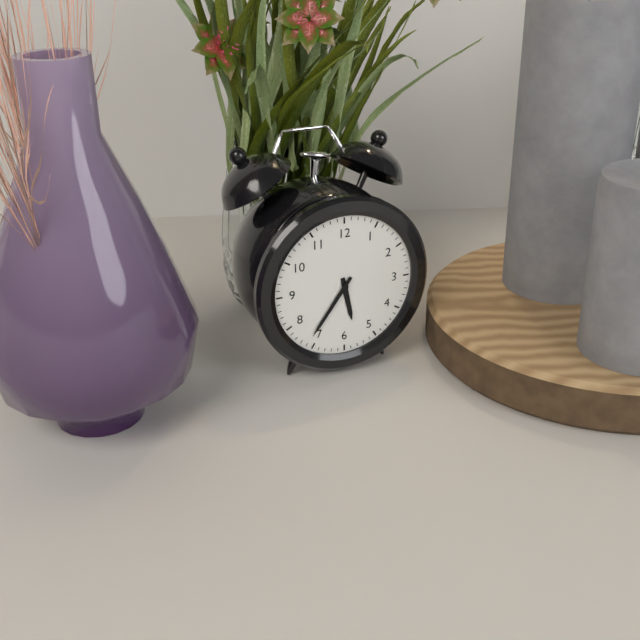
5:36
